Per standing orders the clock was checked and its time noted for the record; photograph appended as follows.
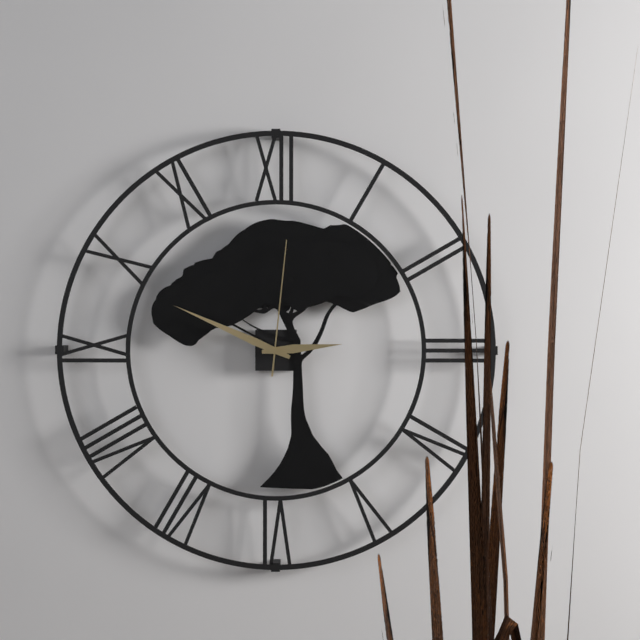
2:49:01
